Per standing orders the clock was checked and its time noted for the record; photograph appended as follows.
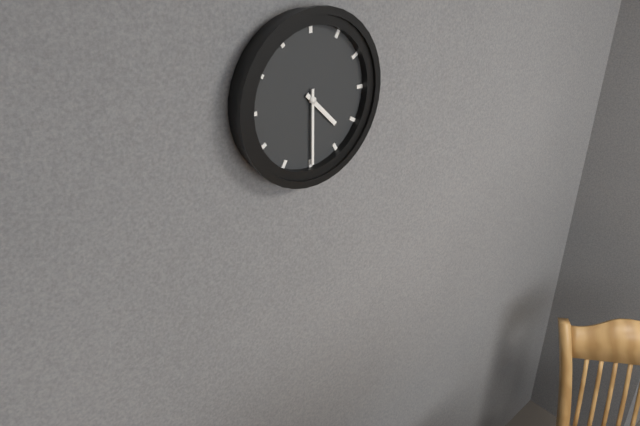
4:30
